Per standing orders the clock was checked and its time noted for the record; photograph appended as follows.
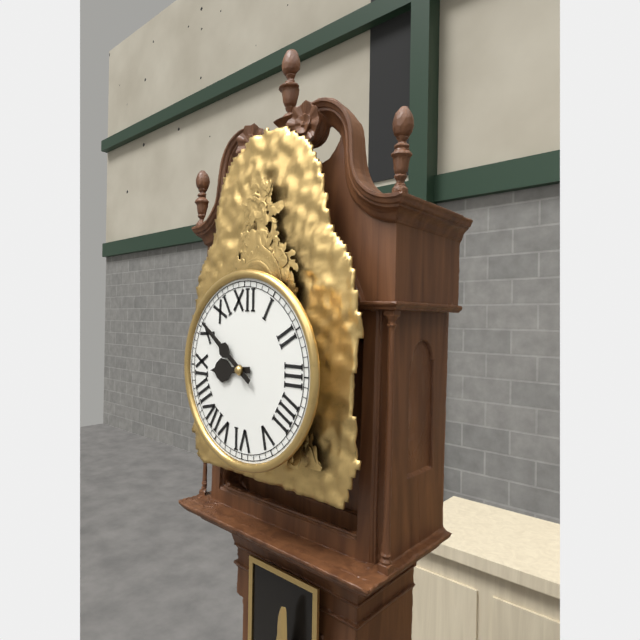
8:51
